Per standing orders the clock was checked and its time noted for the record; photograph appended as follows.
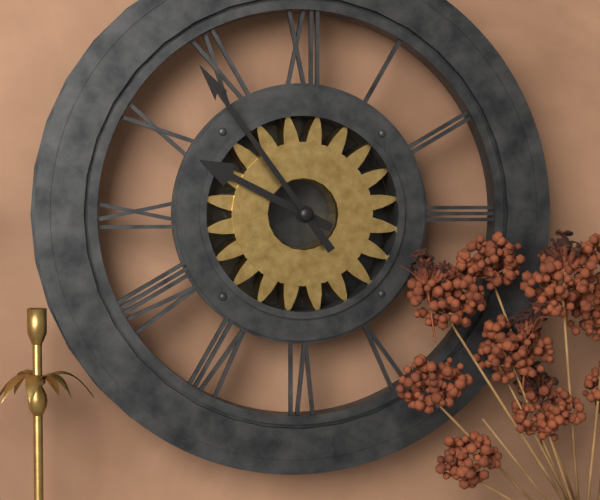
9:54
